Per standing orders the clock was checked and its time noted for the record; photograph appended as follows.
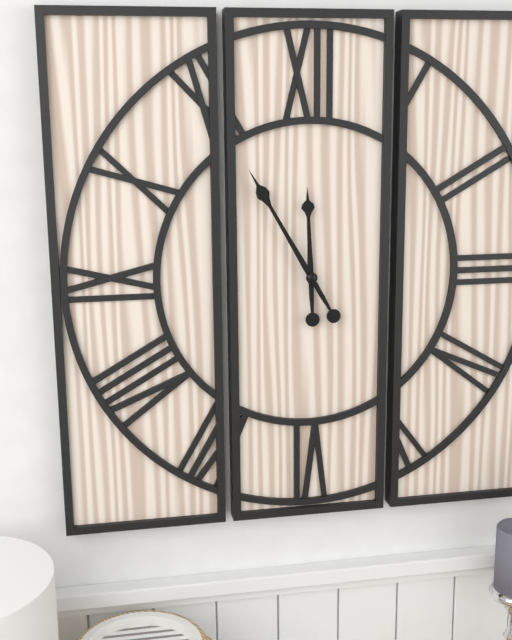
11:55
